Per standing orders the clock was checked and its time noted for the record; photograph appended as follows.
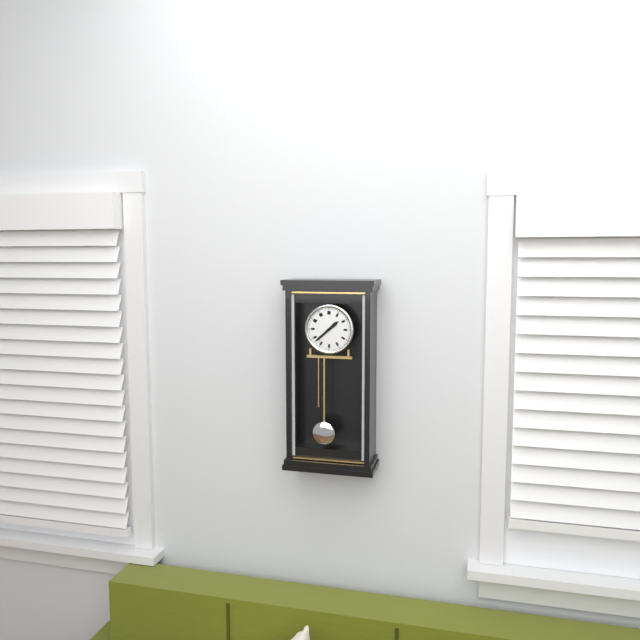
1:38
